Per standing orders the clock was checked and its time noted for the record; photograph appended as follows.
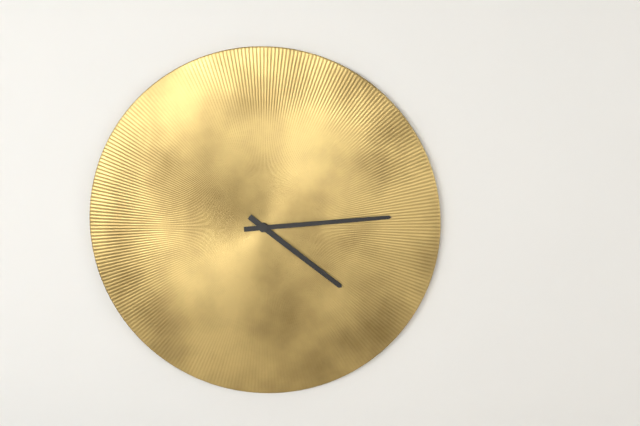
4:14
